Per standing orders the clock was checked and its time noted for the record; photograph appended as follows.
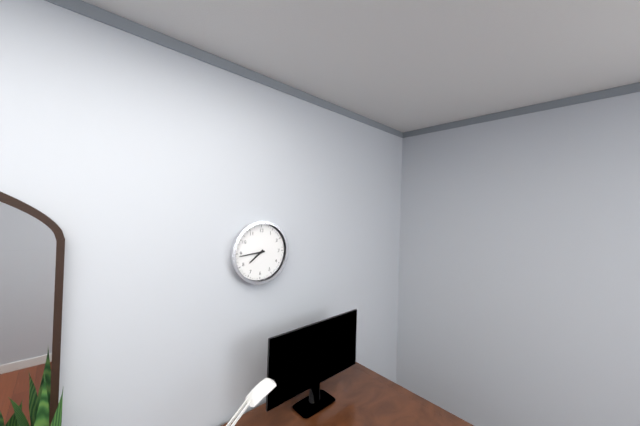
7:44
